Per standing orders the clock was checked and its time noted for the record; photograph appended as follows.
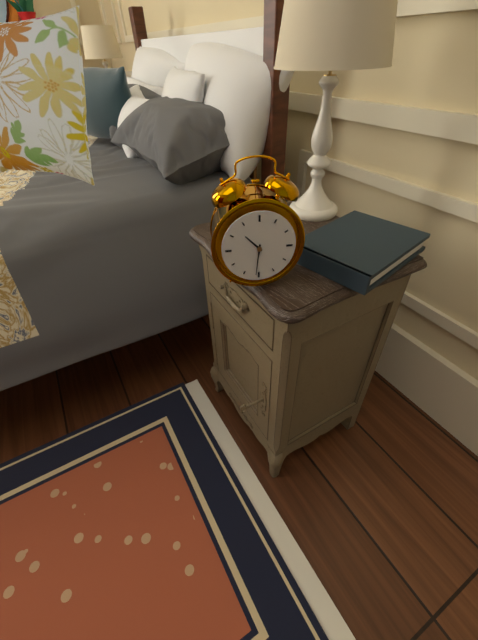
10:31
